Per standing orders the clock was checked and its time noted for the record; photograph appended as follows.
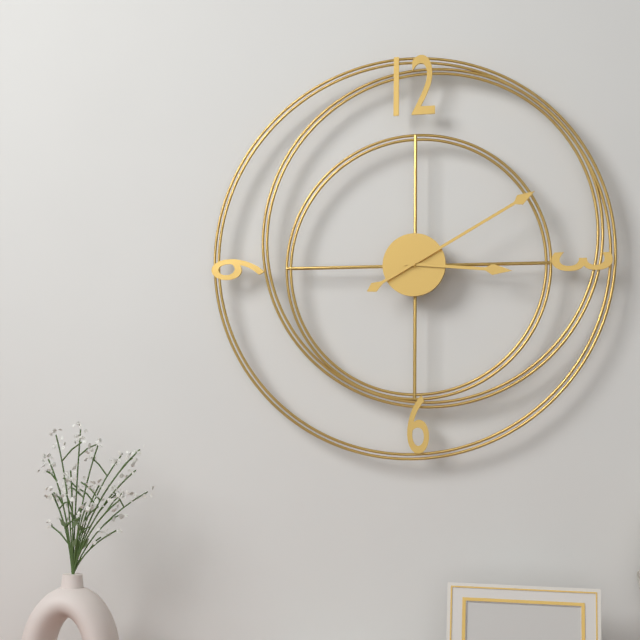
3:10
